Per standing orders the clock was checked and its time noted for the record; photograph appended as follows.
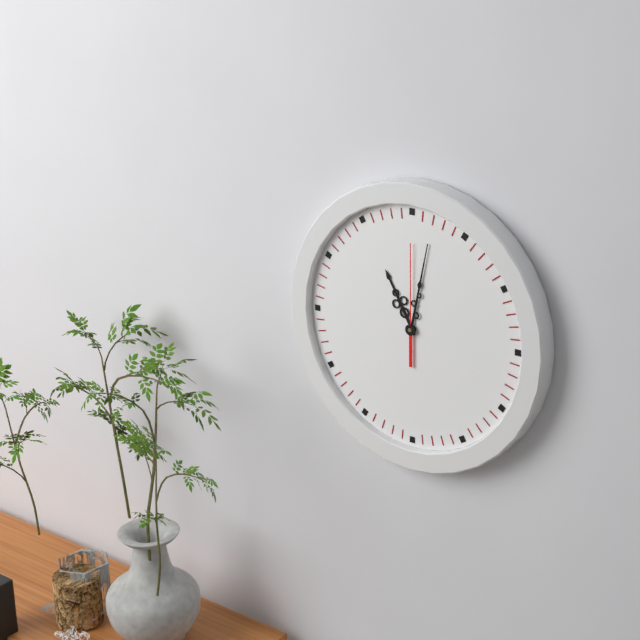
11:02:00
